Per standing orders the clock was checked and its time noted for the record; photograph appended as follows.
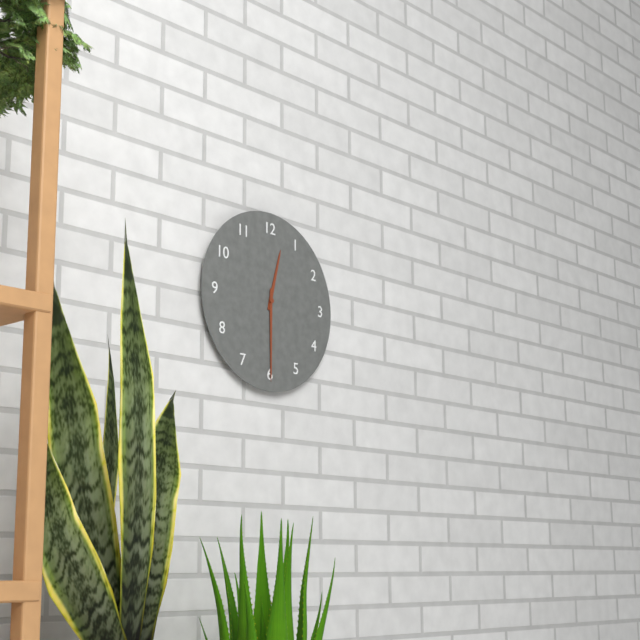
12:30
